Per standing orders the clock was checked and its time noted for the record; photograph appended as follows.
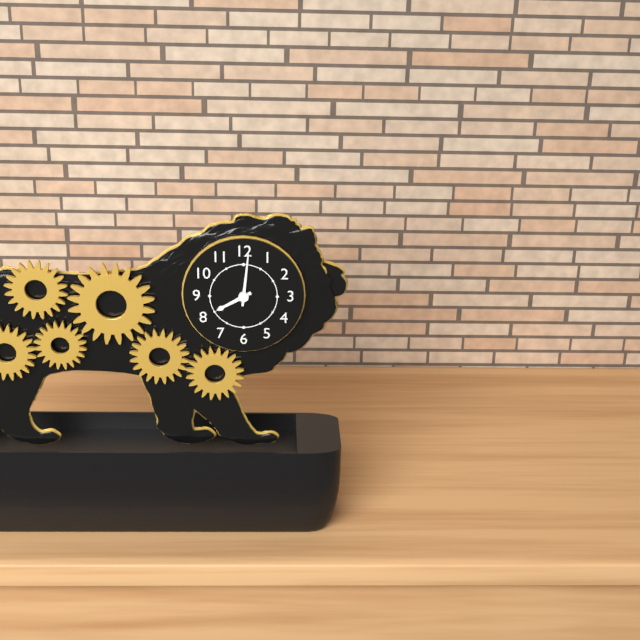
8:01
